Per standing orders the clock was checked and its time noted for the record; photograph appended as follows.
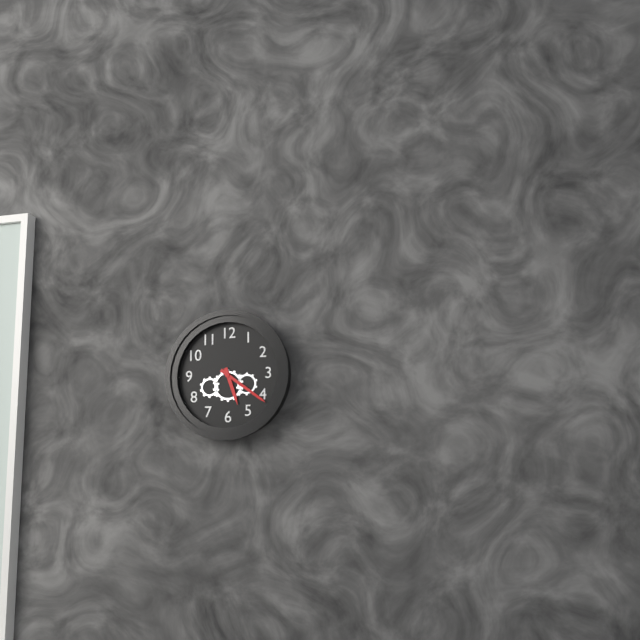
5:21
